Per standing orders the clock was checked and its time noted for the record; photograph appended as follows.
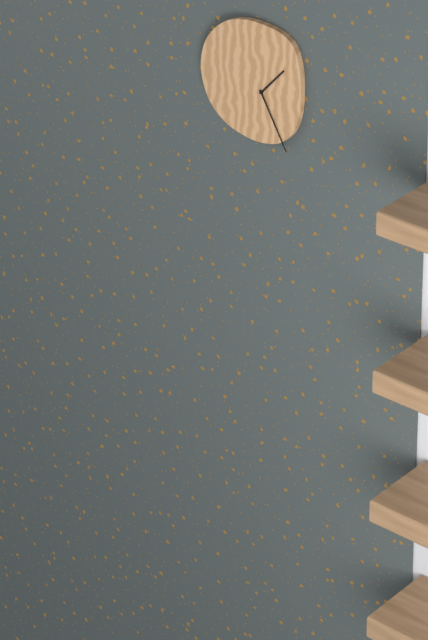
1:25
